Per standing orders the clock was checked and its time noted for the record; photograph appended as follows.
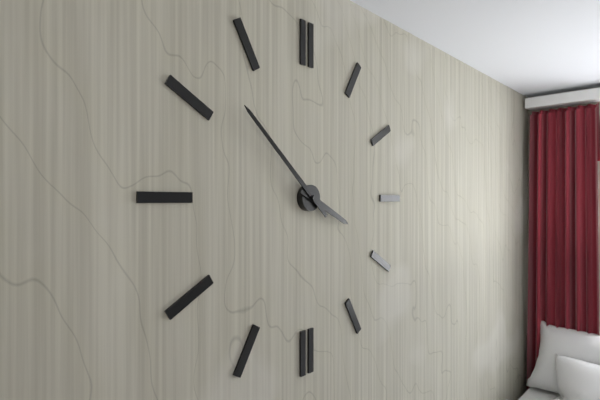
3:52
